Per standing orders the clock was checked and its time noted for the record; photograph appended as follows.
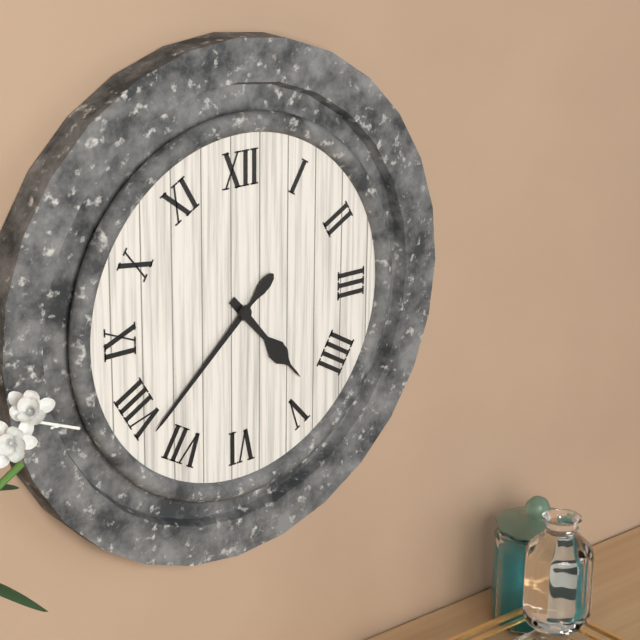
4:38
